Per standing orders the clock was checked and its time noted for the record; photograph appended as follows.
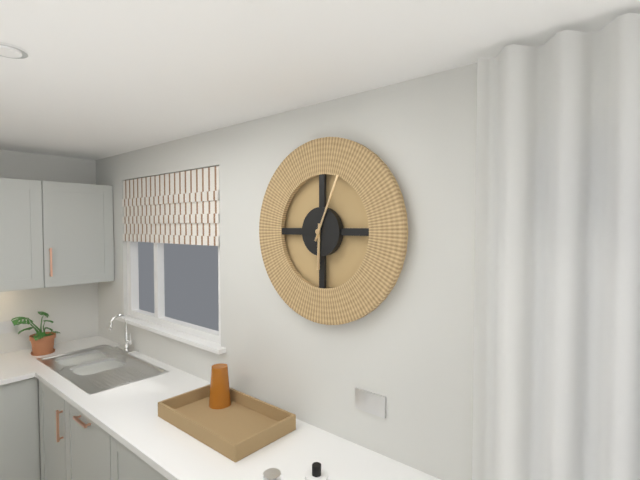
6:04
